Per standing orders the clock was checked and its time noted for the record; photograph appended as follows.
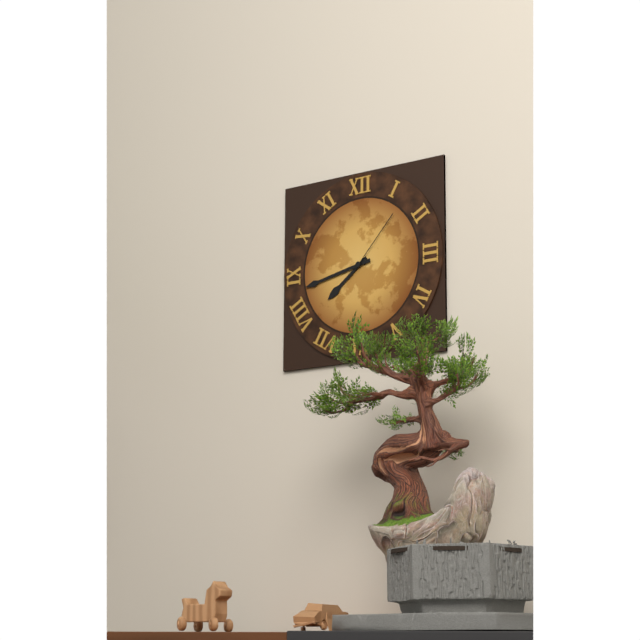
7:43:07
